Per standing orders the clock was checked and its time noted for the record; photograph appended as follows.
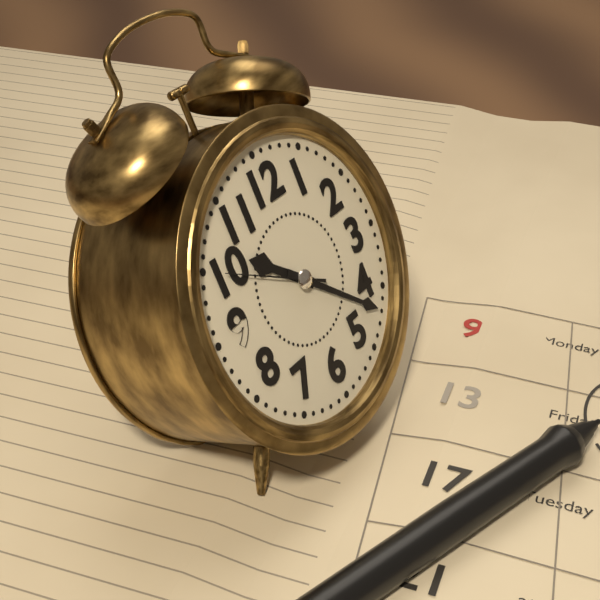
10:22:50
